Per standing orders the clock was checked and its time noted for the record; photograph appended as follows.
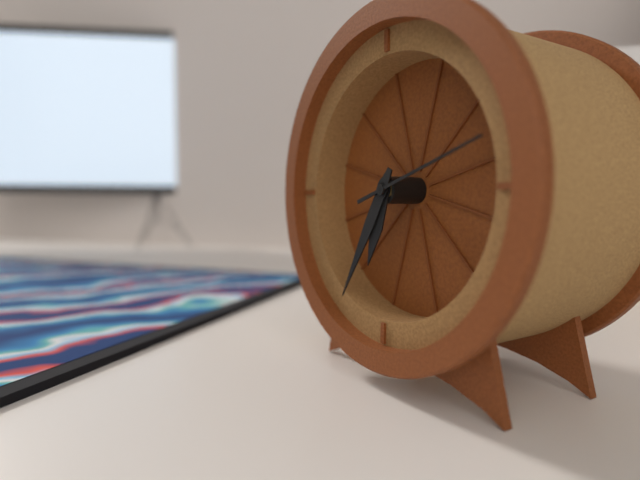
6:35:12
